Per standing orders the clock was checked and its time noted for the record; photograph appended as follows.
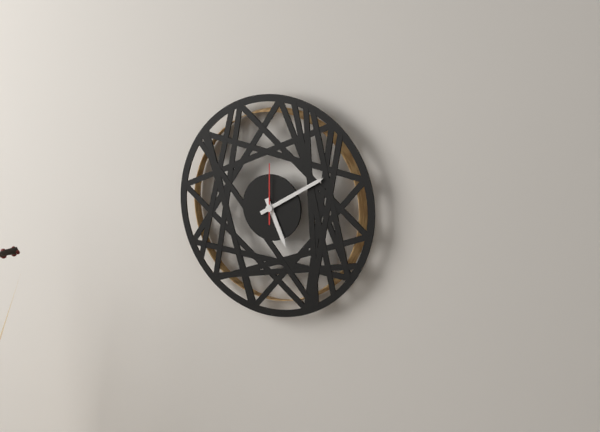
5:10:00
